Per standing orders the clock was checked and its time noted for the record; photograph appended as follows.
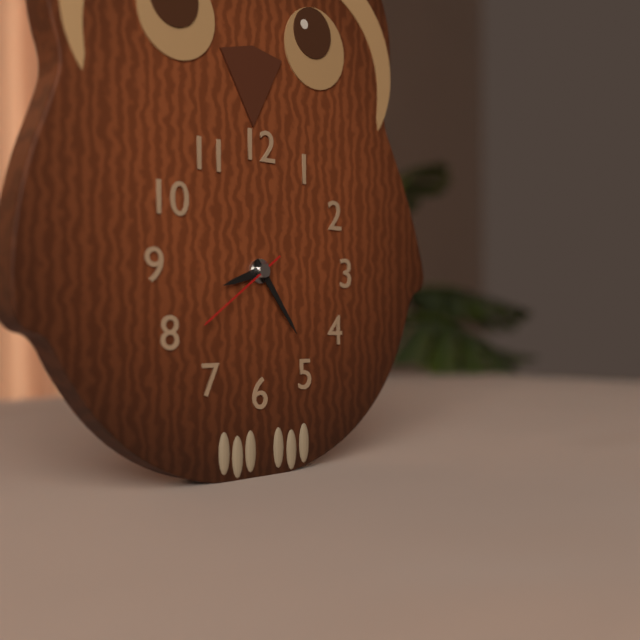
8:24:39
